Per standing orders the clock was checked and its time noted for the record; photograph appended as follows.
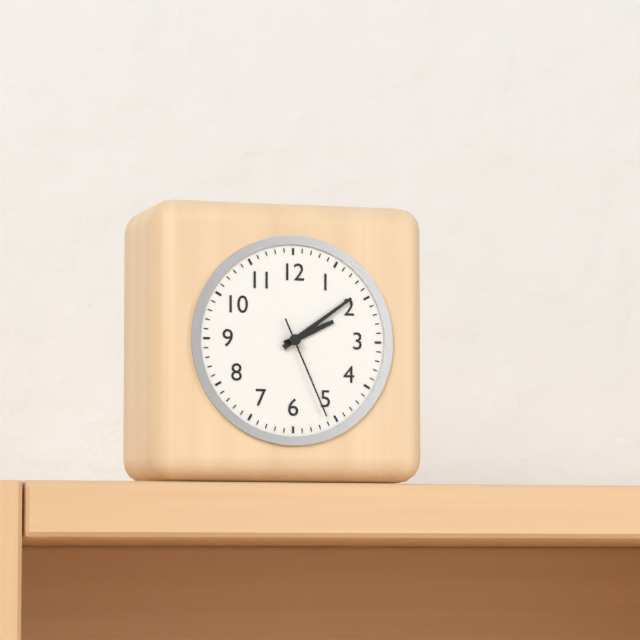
2:09:26
